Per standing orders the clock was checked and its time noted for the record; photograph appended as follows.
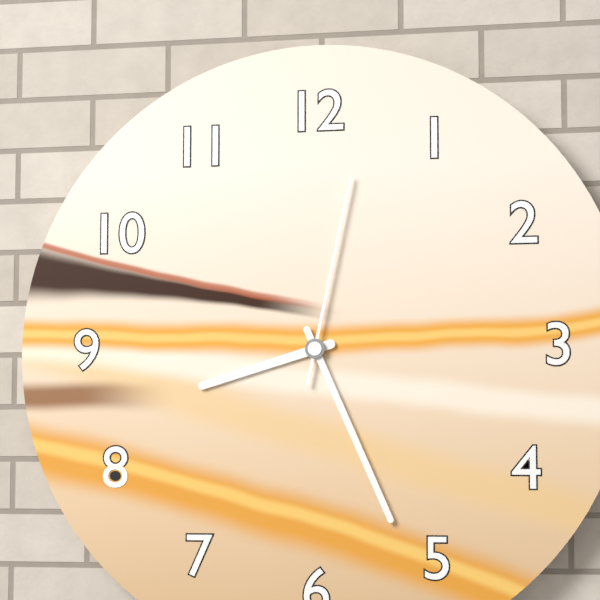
8:26:02
